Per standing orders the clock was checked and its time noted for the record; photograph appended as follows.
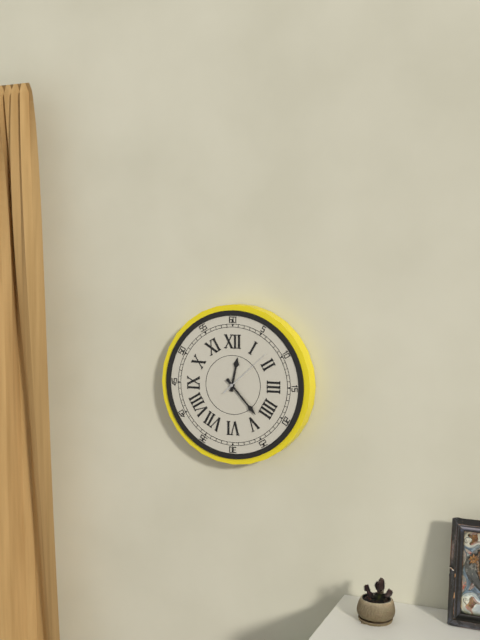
12:23
